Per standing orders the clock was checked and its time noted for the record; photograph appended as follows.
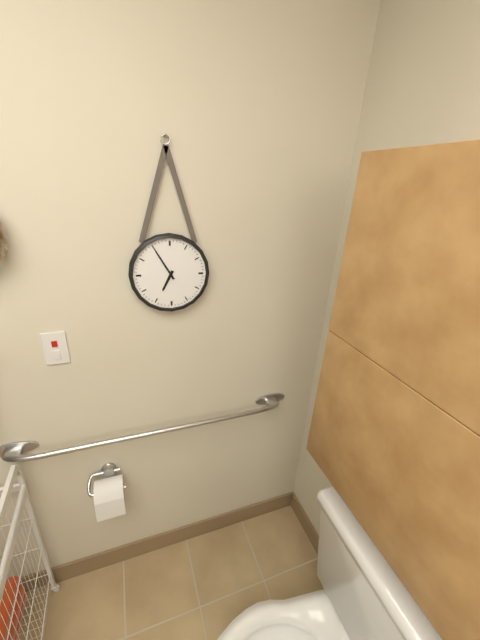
6:55
